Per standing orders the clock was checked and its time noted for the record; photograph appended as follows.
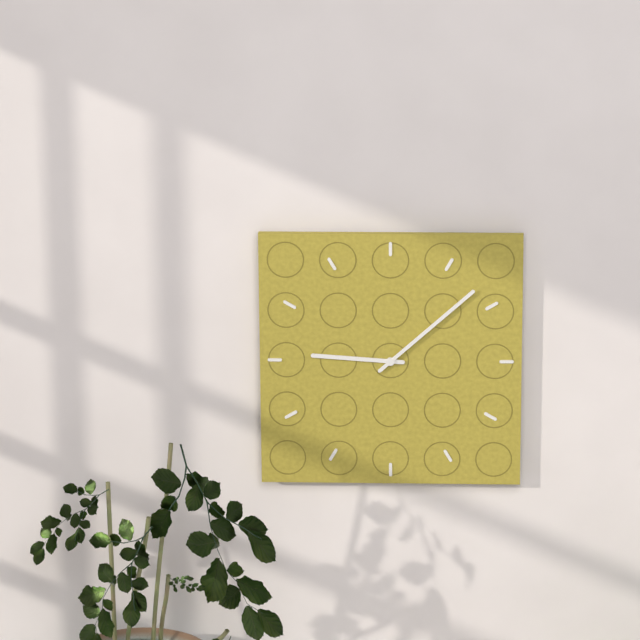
9:08
